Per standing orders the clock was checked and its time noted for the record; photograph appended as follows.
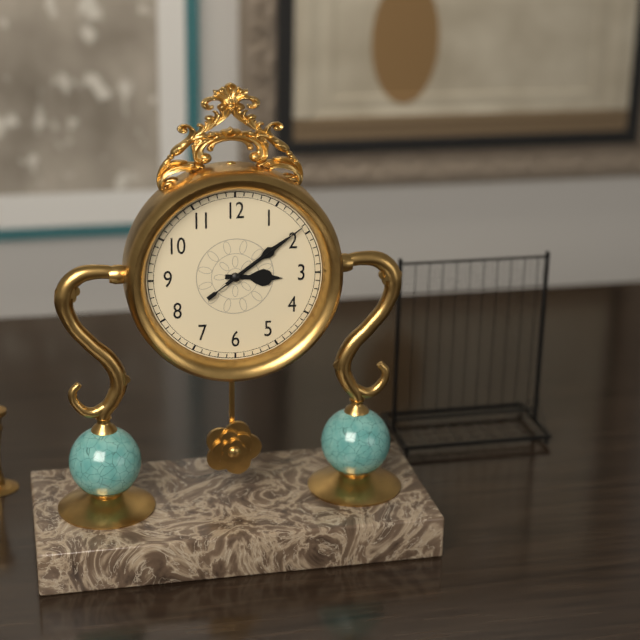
3:09:09
